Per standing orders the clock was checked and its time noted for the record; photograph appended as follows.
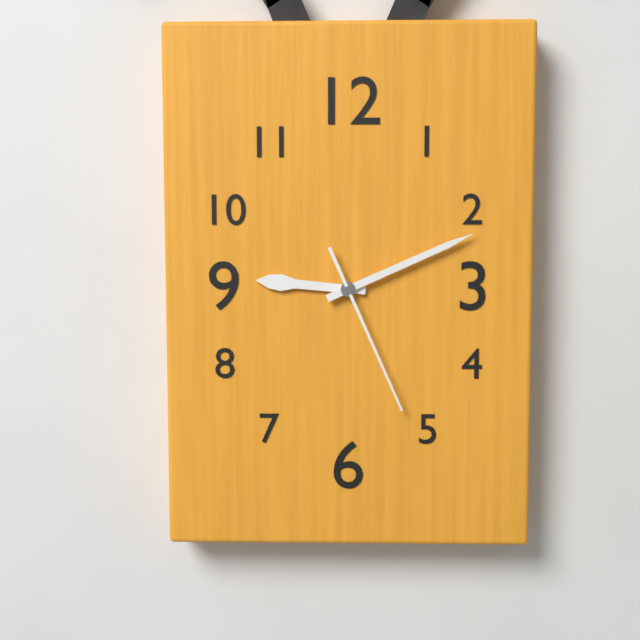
9:11:26
